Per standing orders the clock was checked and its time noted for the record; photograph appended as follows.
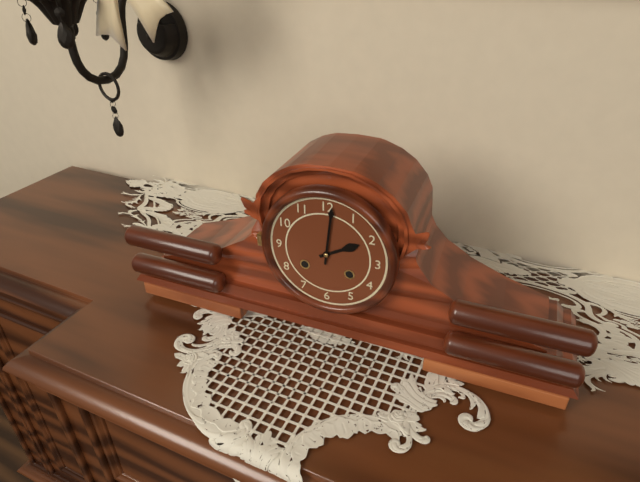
2:01
